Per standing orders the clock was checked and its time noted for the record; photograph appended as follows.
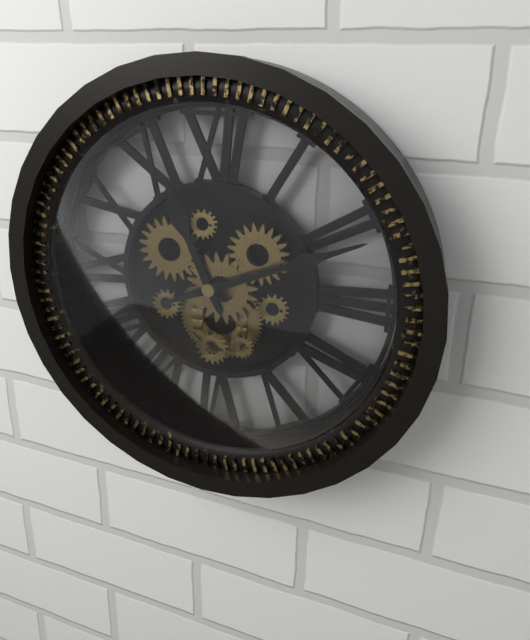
11:11
